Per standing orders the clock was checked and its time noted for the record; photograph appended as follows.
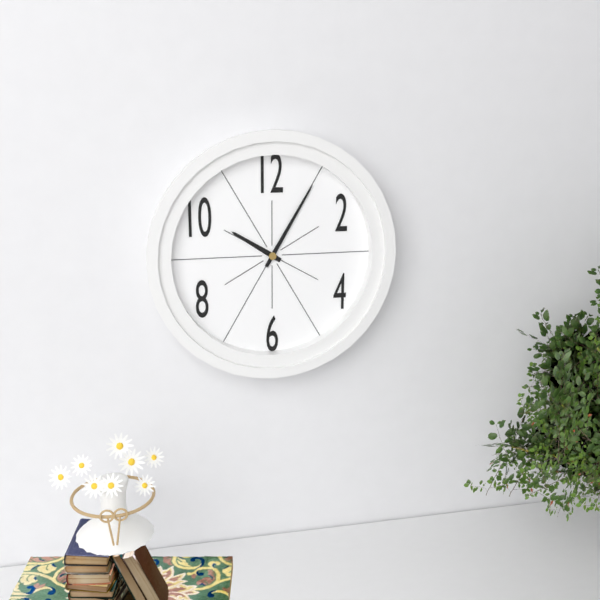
10:05
